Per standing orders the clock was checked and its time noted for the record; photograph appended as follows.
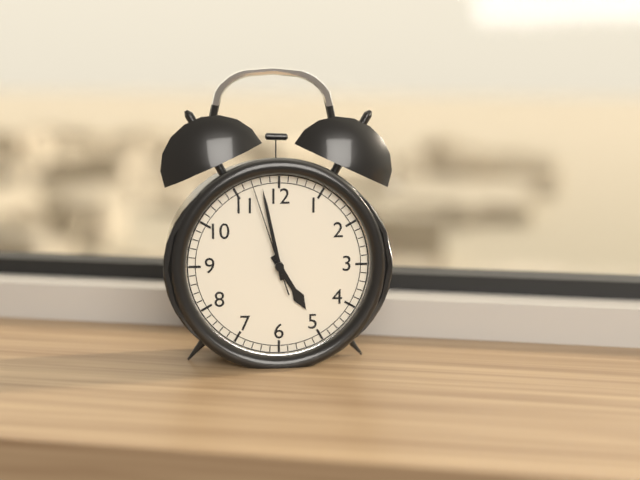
4:58:57
